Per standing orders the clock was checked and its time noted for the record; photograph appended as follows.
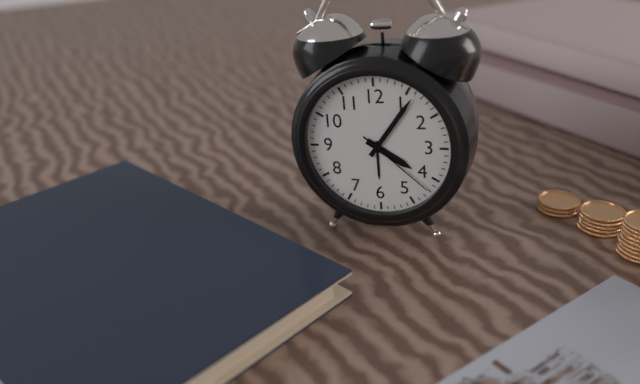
4:06:22
